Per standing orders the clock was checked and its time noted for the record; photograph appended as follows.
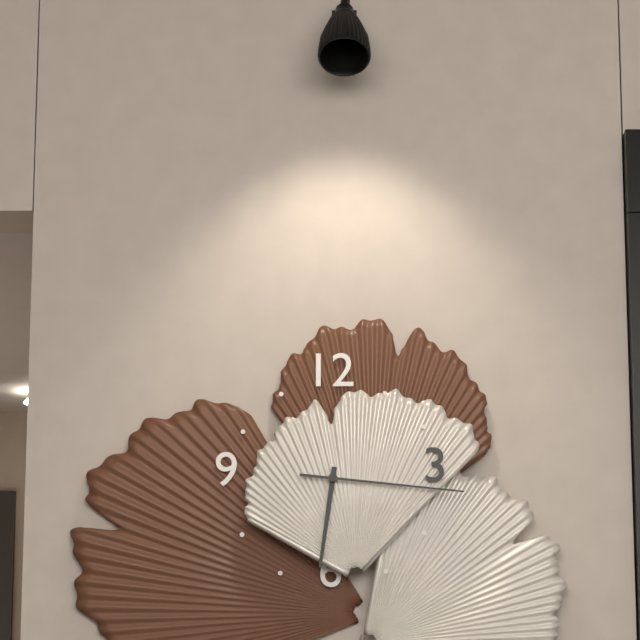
6:16
